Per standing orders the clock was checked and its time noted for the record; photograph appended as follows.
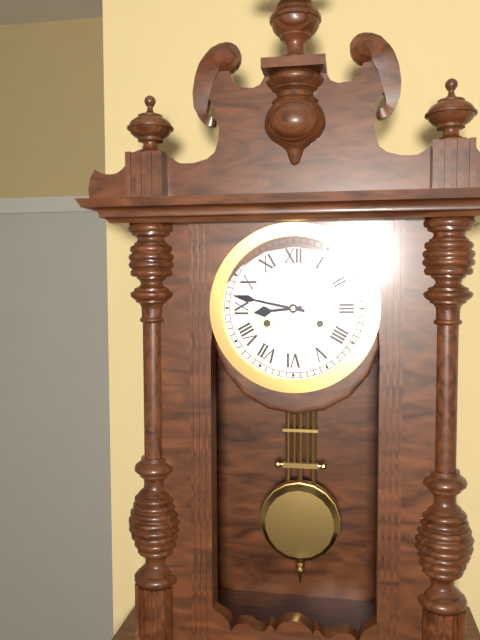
8:47
